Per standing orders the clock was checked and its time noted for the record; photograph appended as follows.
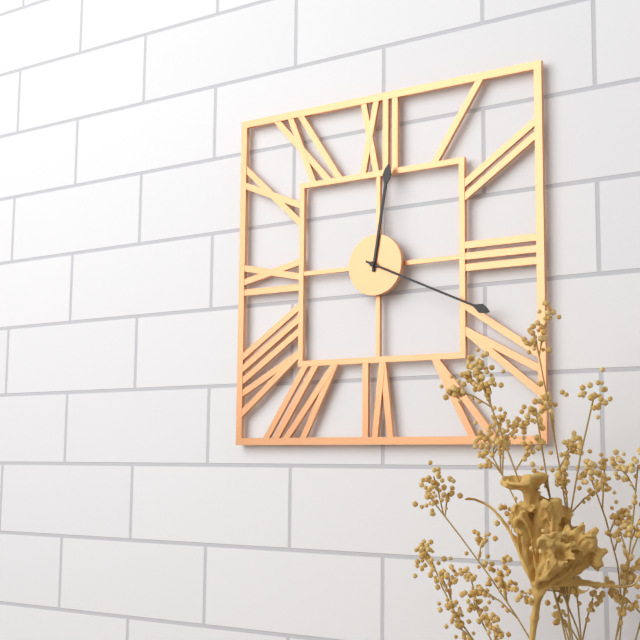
12:19
